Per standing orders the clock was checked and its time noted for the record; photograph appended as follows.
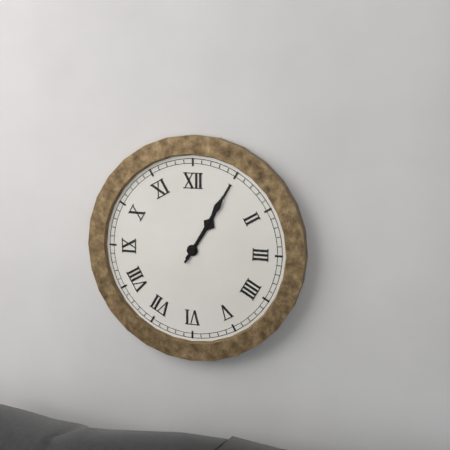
1:05
